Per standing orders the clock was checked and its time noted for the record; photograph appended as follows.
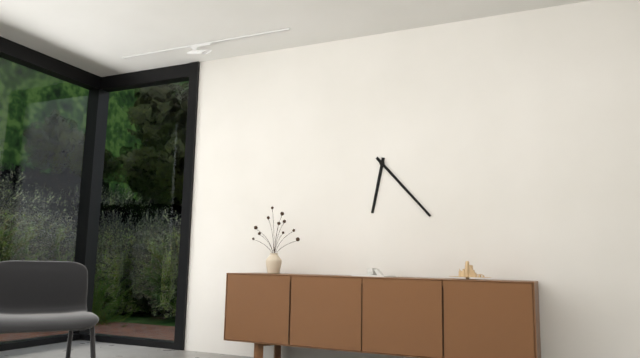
6:23
